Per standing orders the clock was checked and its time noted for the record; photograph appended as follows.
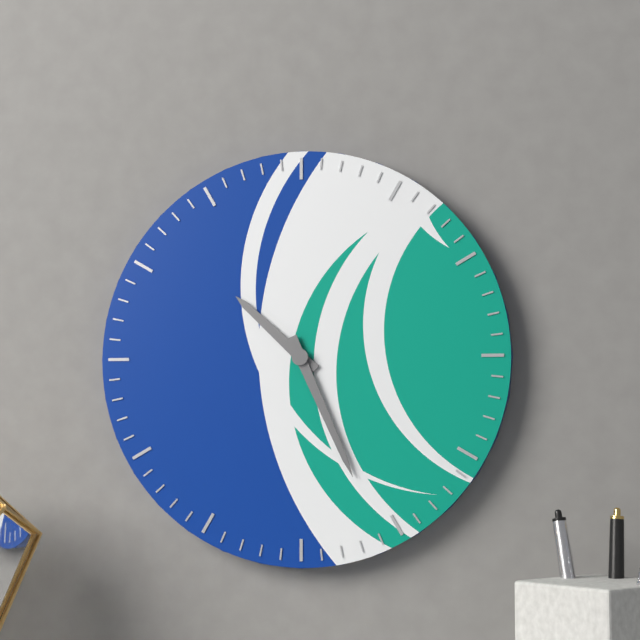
10:26
